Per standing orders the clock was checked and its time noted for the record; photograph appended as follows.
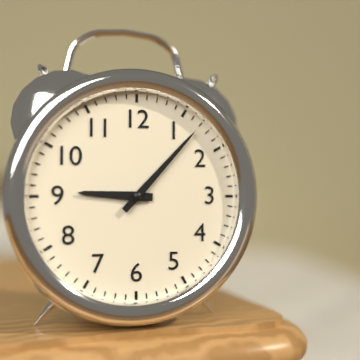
9:07
